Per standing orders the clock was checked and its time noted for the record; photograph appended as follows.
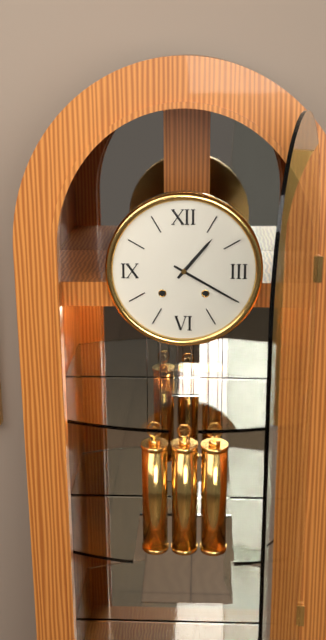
1:20
